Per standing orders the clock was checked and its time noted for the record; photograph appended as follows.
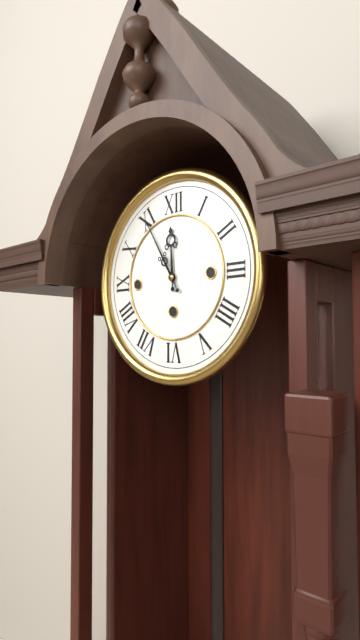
11:55
